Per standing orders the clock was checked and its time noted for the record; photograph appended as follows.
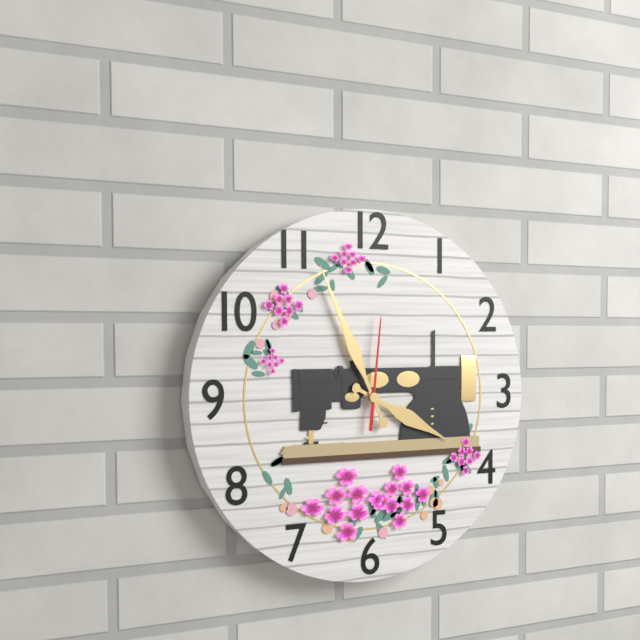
3:56:01
